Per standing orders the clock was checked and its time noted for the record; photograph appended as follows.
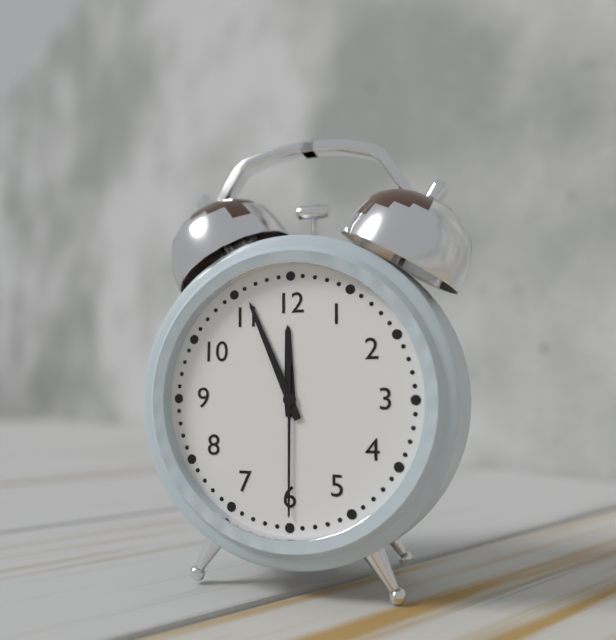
11:56:30
